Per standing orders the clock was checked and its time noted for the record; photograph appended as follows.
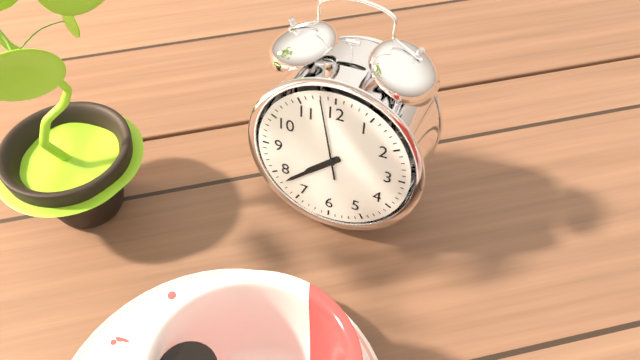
7:38:58
